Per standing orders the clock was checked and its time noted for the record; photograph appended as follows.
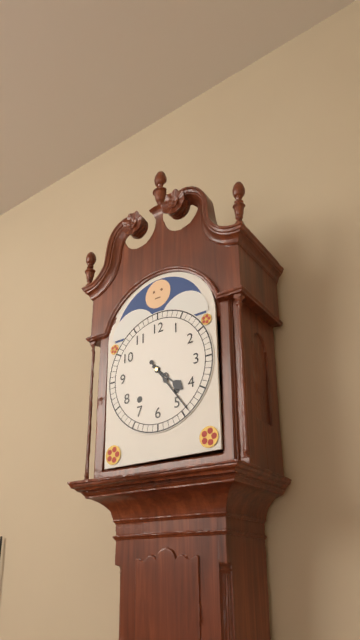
4:24
